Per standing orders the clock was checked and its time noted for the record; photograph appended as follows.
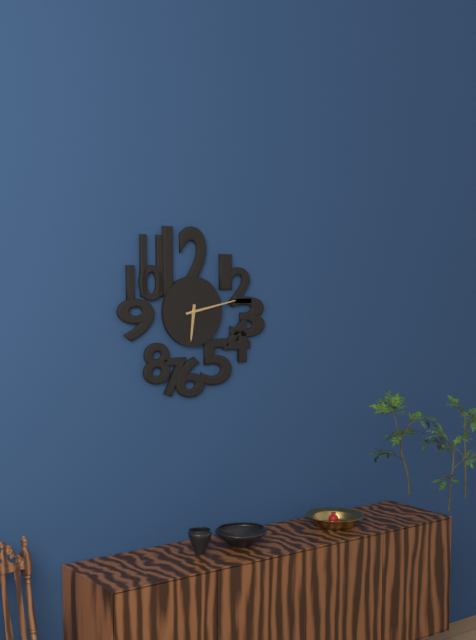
6:13
